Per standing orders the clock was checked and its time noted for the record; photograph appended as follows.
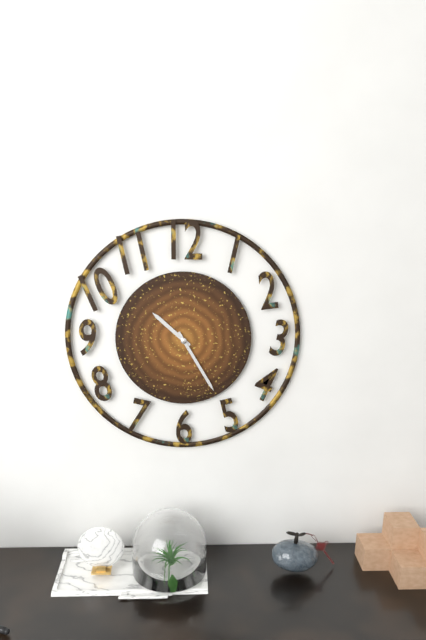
10:25
